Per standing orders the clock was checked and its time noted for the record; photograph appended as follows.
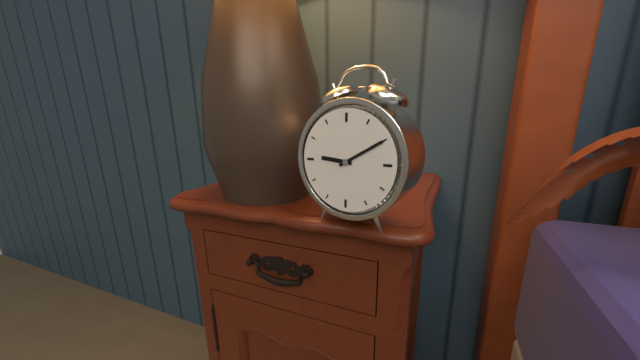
9:10
